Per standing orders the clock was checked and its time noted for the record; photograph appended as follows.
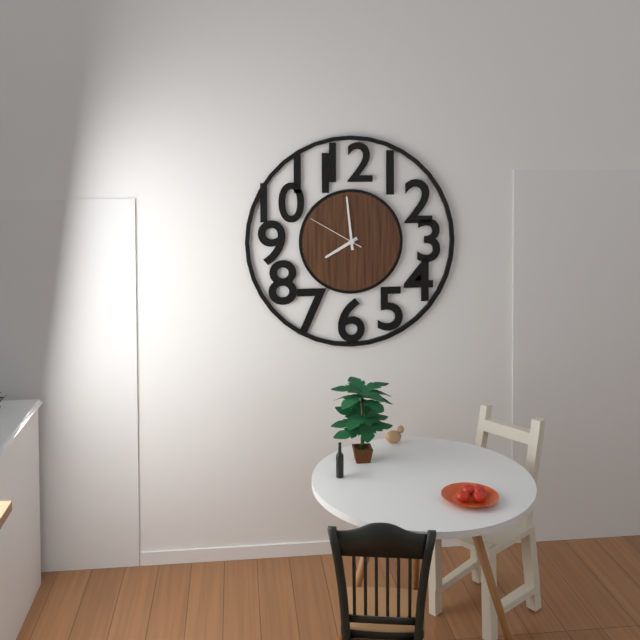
7:59:50
